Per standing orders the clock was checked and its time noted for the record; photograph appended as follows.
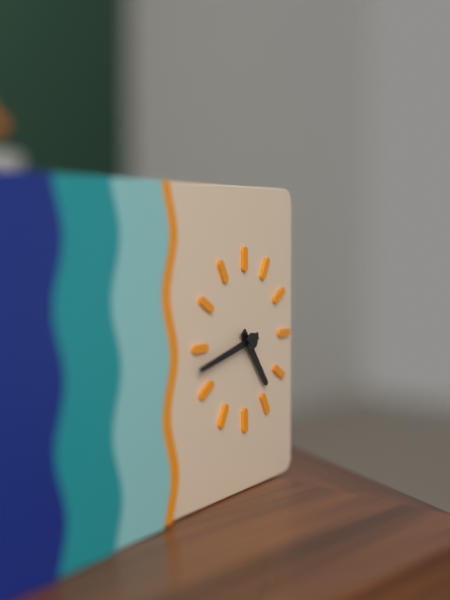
4:43
